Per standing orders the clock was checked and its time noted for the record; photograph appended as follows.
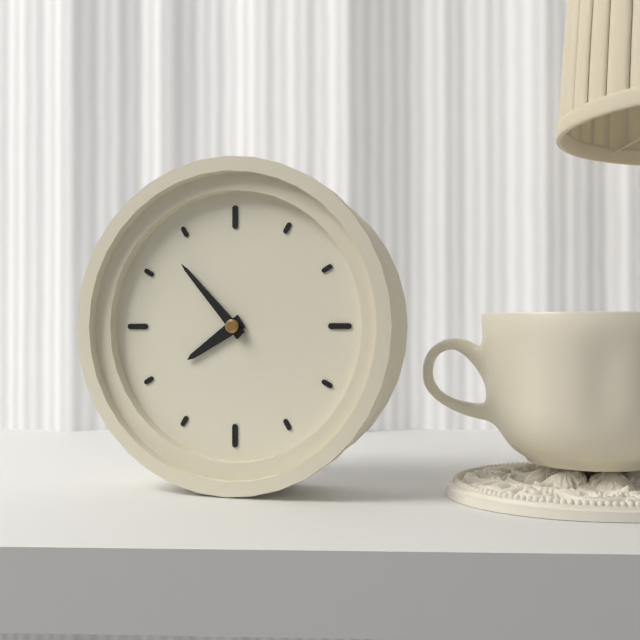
7:53
